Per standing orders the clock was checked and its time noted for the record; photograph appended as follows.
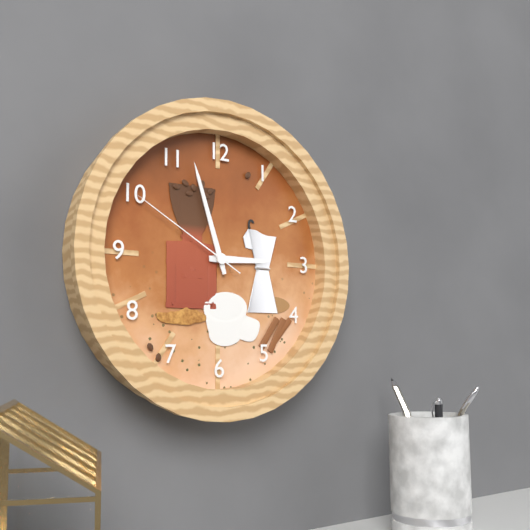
2:57:50
